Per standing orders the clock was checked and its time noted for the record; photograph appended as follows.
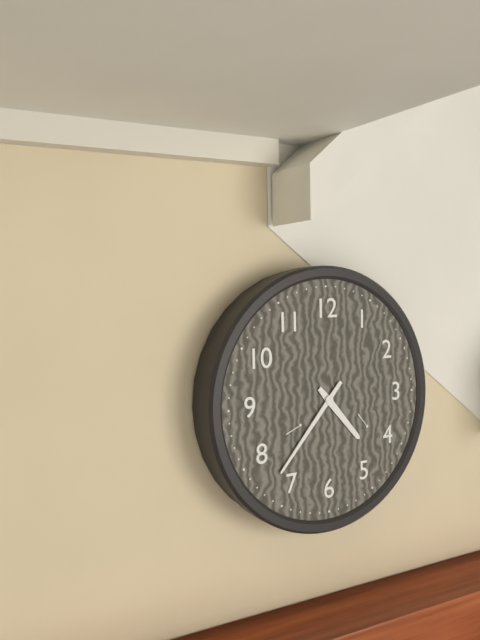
4:37
